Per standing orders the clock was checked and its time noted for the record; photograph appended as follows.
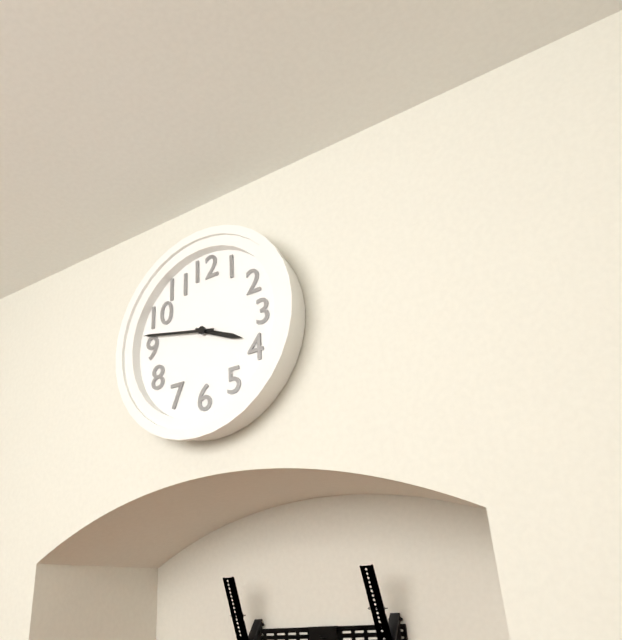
3:47
